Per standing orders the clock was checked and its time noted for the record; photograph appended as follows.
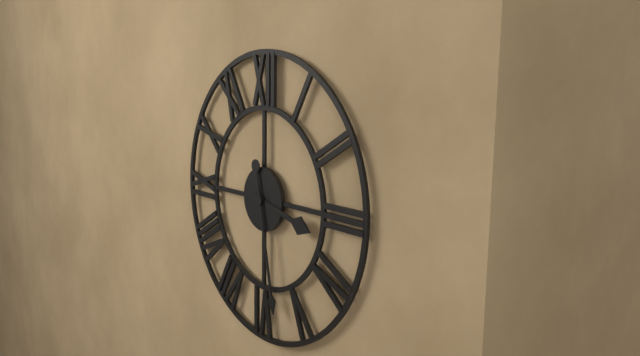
3:28
